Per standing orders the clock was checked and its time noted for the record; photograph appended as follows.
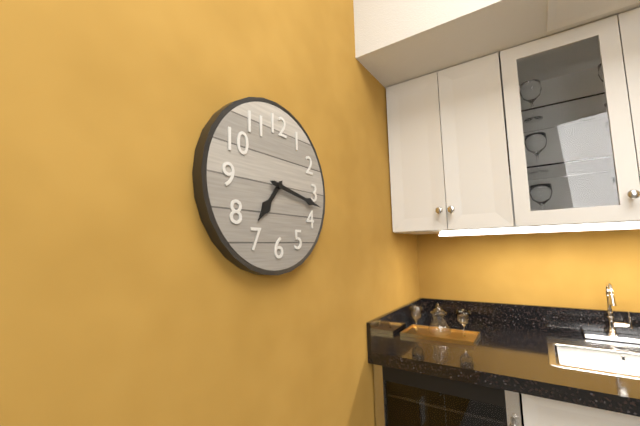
7:17
